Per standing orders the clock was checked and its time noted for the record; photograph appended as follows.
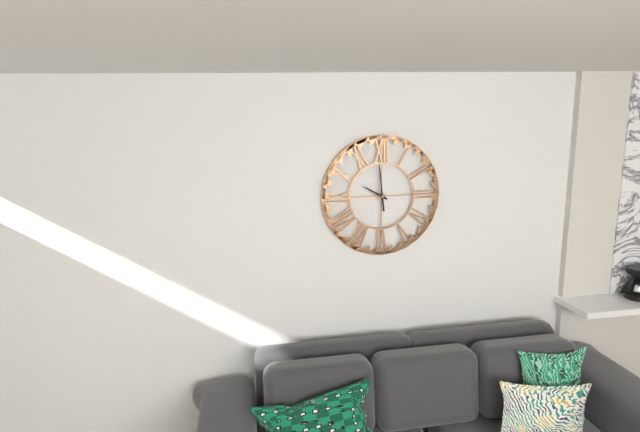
9:59
